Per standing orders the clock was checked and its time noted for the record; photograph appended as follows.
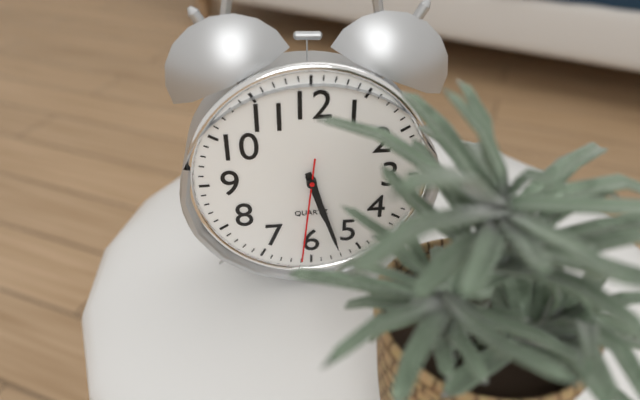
5:27:31
